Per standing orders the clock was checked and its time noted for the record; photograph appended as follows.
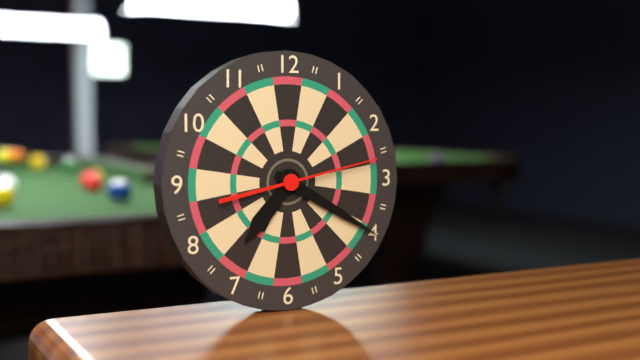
7:20:13
